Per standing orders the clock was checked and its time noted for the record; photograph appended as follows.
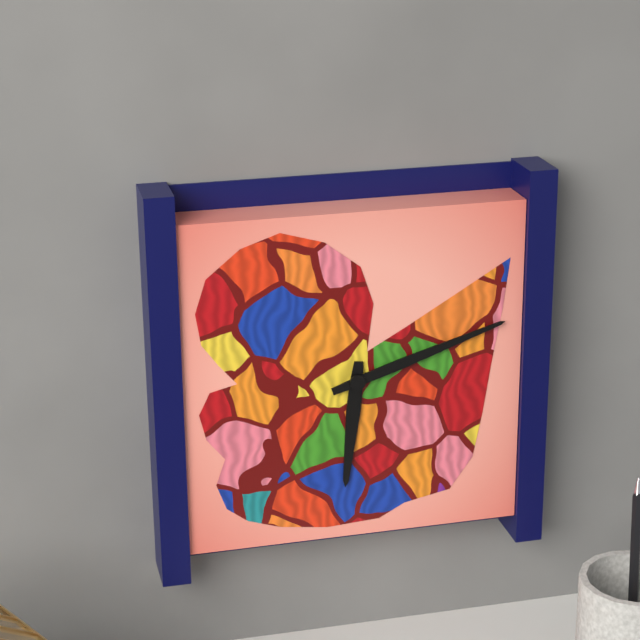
6:12
